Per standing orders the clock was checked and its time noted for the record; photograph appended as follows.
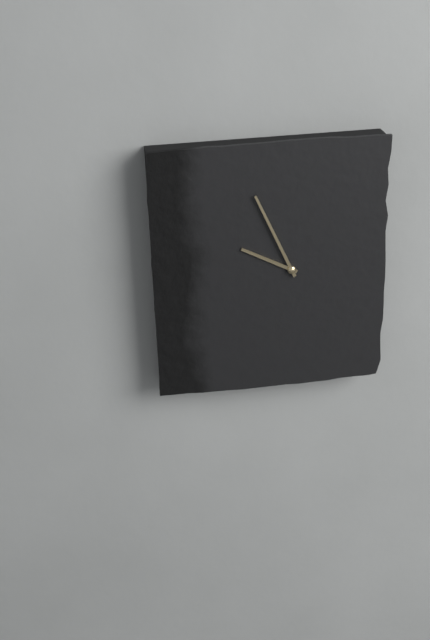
9:56
